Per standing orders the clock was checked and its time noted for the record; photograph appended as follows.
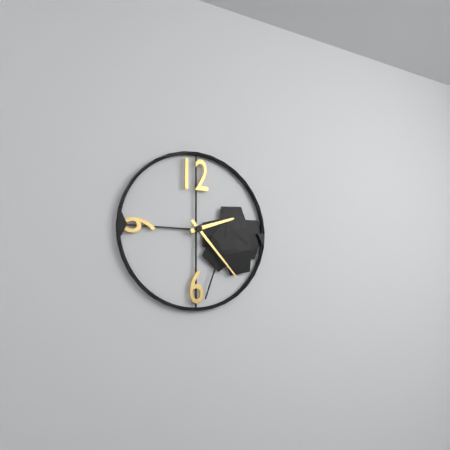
2:23
